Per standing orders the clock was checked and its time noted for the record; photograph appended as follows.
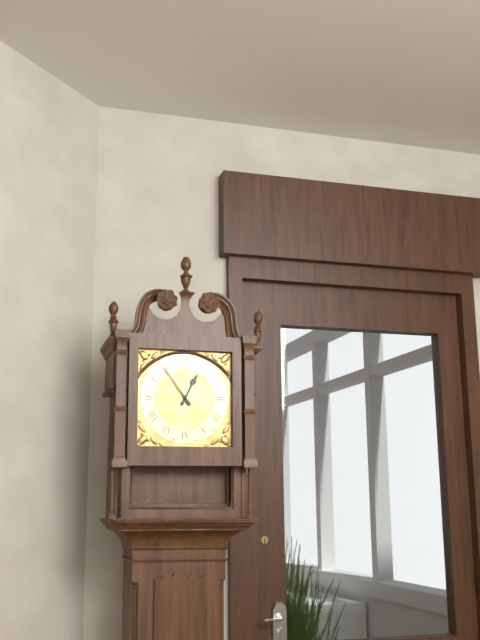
12:54
